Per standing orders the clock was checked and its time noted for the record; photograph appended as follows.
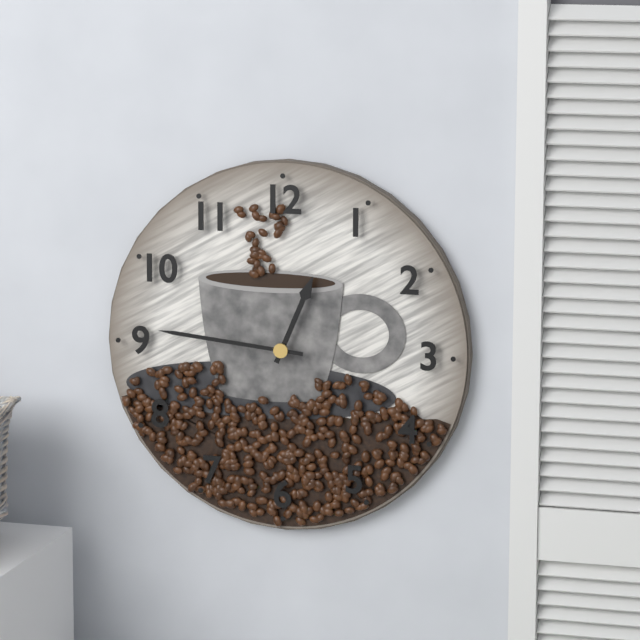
12:46
